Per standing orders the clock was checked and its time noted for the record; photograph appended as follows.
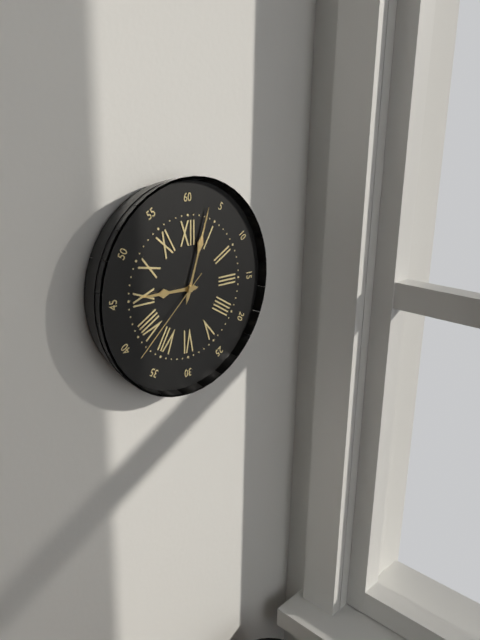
9:03:38
